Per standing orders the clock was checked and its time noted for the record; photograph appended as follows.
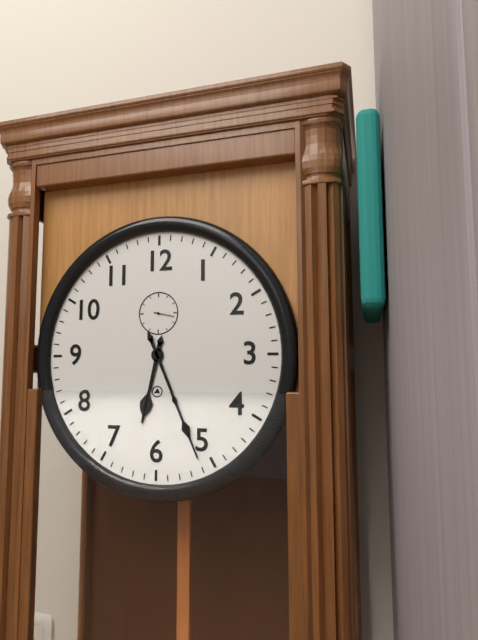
6:26
